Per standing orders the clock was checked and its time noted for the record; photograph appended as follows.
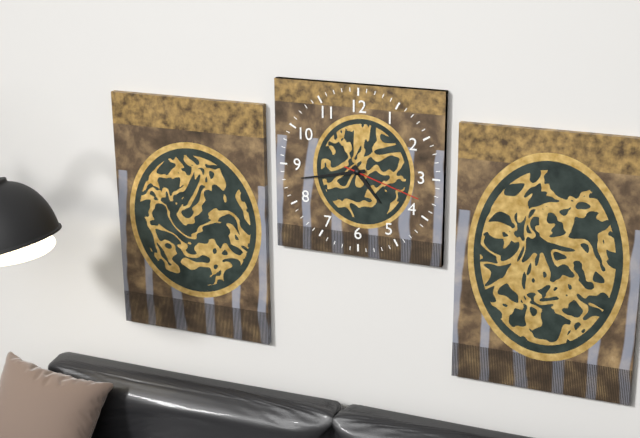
4:43:18
